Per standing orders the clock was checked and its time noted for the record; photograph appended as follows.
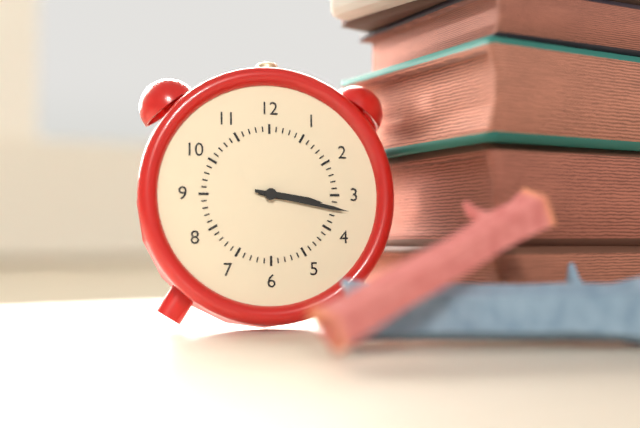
3:17
